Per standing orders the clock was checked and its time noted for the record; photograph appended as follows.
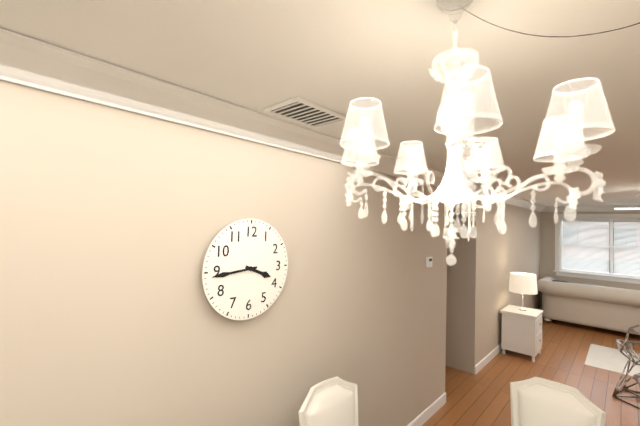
3:44
